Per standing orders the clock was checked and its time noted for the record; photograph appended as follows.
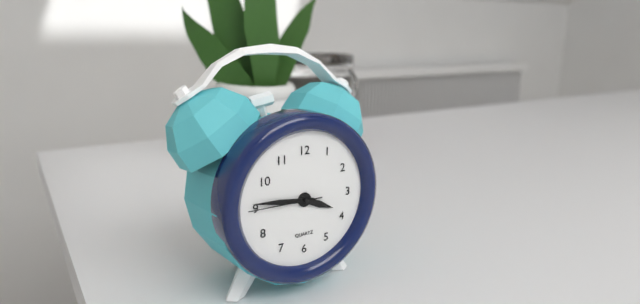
3:46:45
